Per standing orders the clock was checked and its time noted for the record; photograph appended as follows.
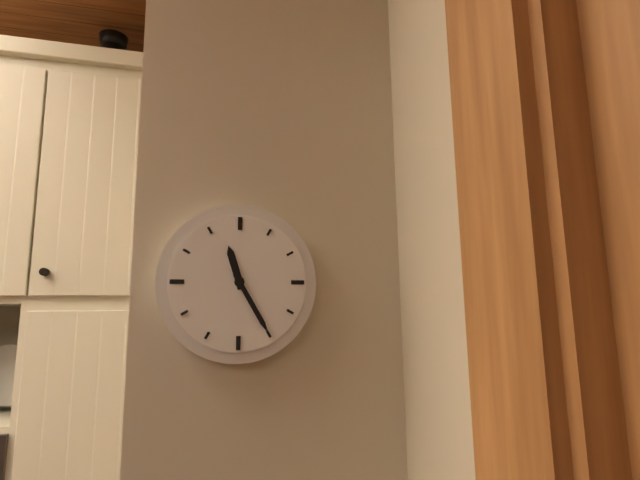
11:25
